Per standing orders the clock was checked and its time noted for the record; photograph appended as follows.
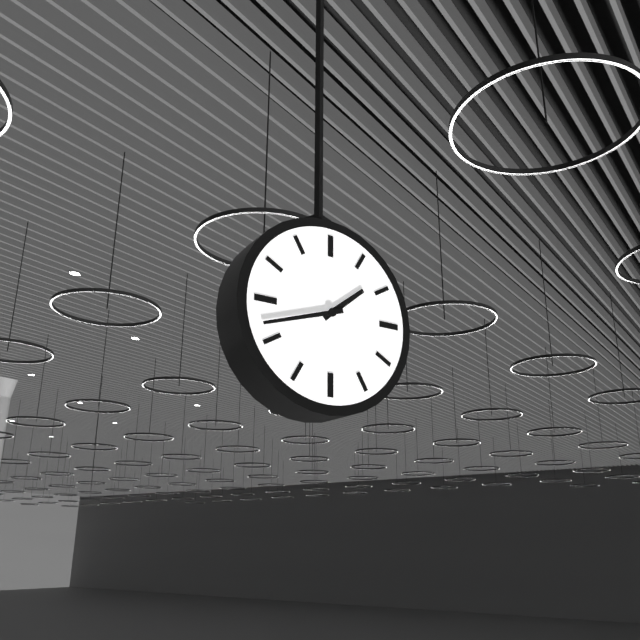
1:42
